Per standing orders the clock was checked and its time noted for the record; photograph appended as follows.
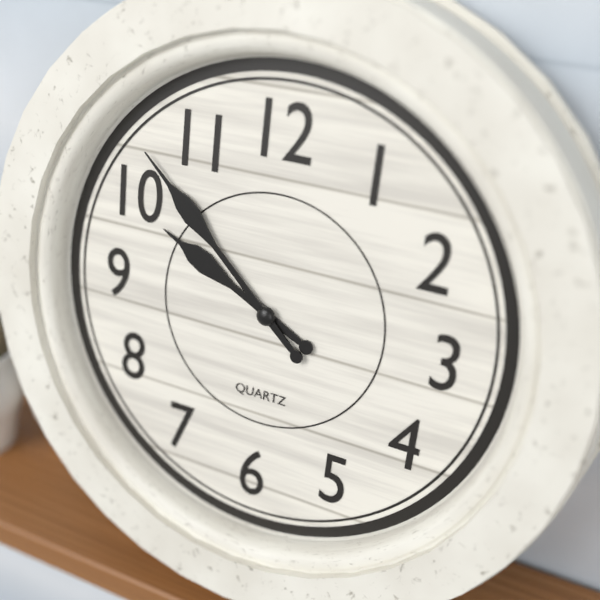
9:52
